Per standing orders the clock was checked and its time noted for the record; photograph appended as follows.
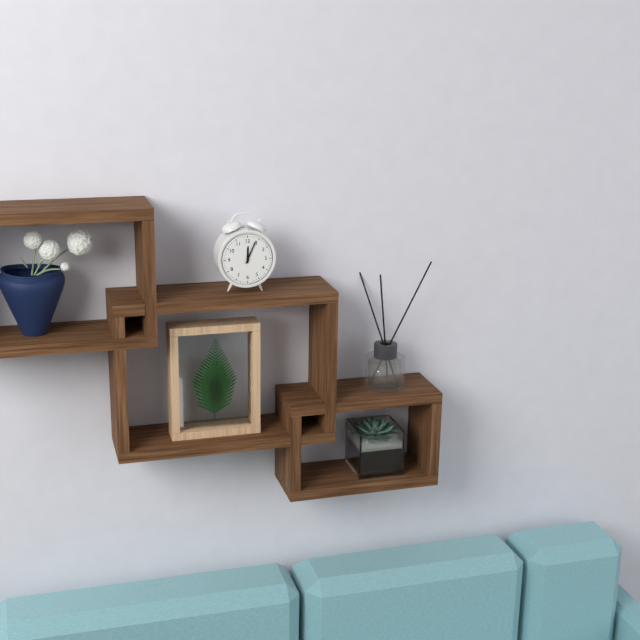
12:04
